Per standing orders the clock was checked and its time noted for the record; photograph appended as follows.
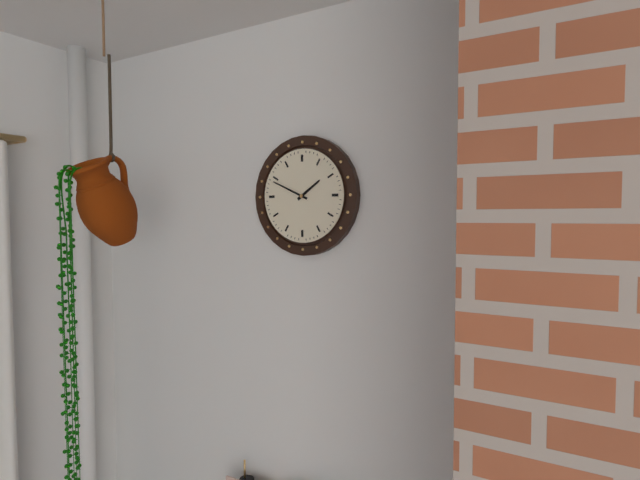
1:49
